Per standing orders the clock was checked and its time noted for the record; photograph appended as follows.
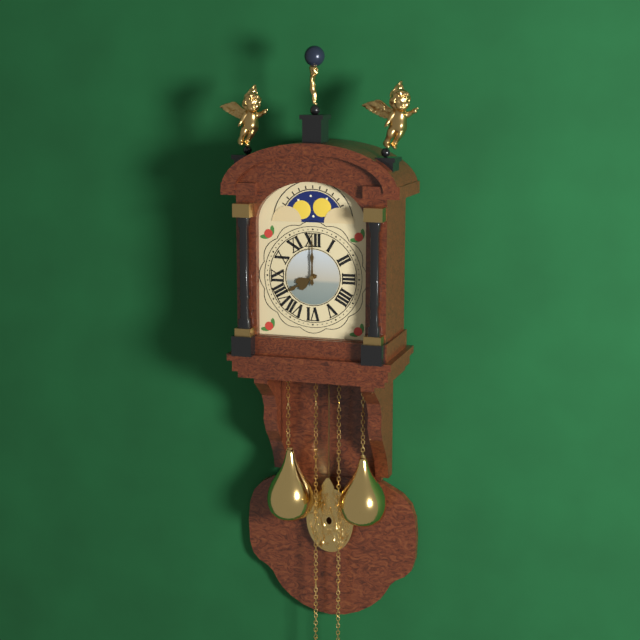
8:00
